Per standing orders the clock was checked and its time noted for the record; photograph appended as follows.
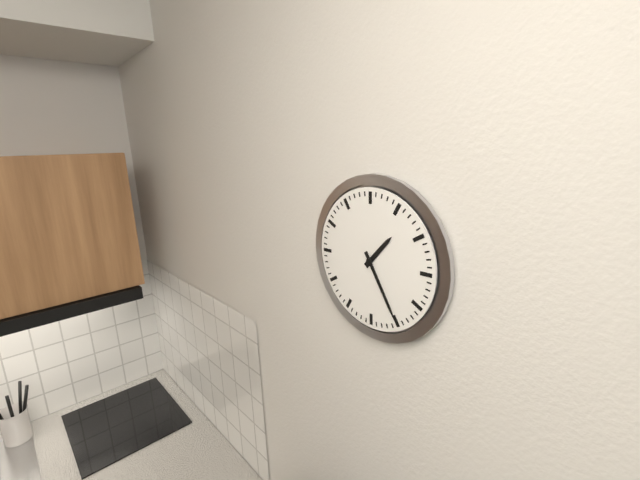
1:25
